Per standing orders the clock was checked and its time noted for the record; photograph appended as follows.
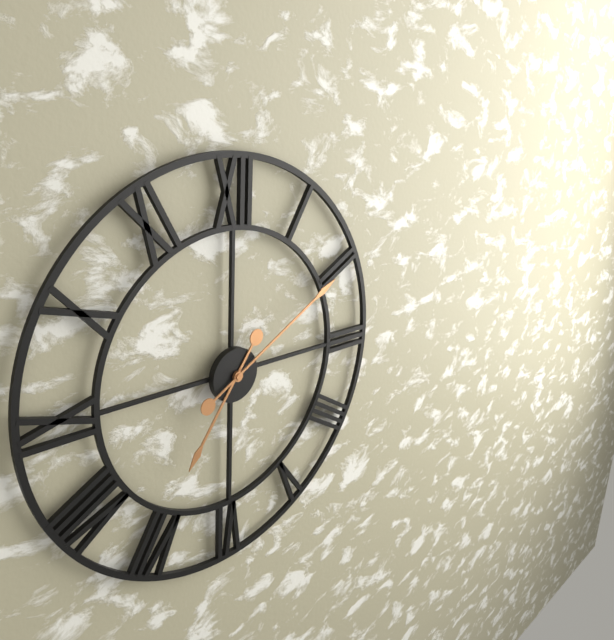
7:10
